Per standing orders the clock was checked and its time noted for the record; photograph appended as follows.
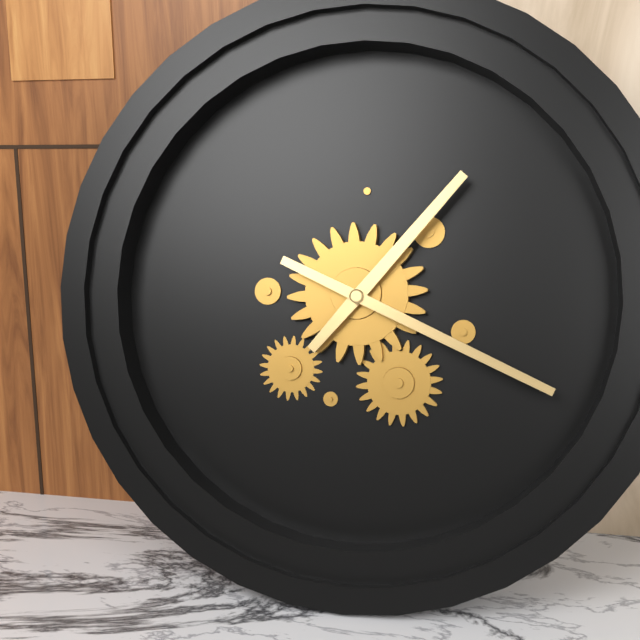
1:19
